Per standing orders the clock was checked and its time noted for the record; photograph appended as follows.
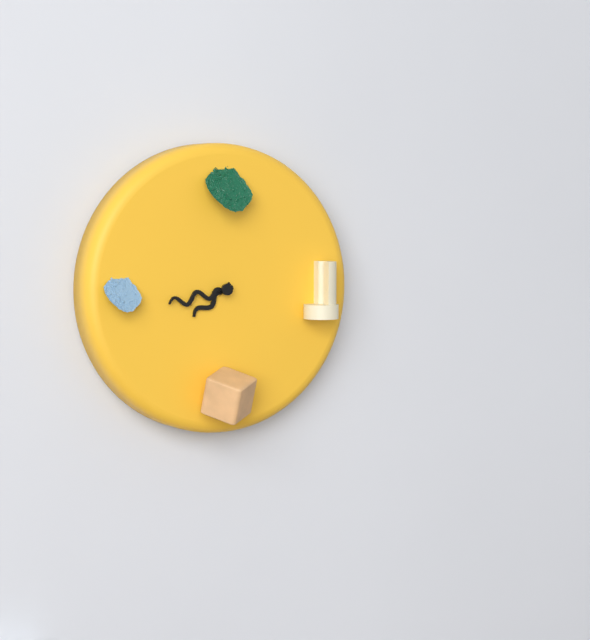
7:43
